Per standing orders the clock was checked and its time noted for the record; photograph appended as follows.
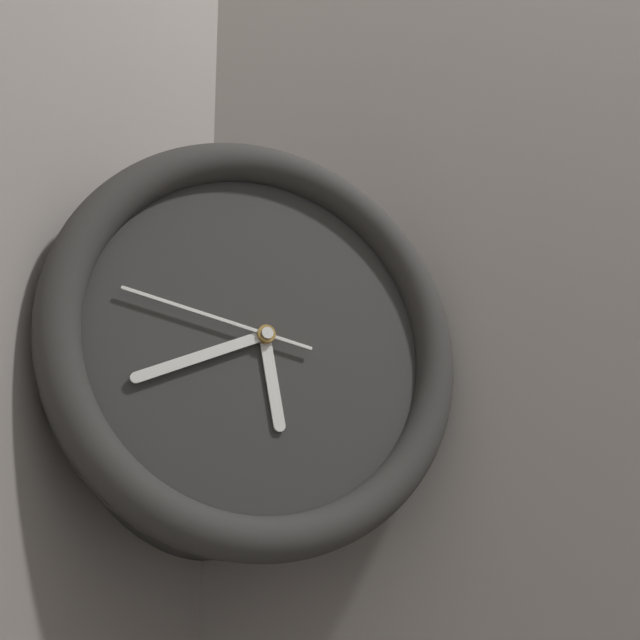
5:41:47
